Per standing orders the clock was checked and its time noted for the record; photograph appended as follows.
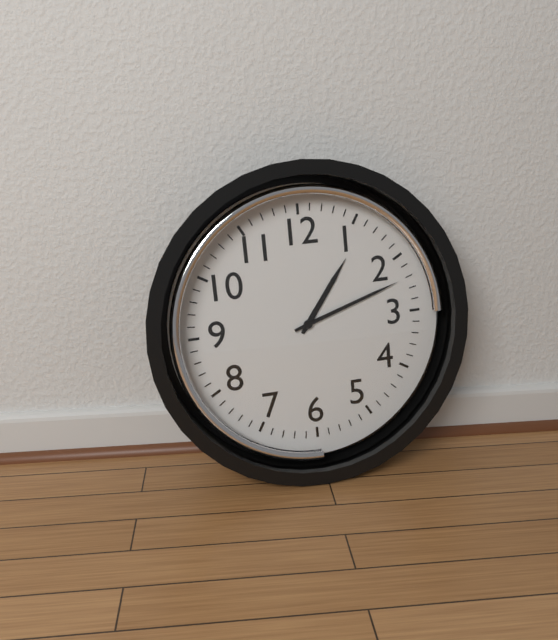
1:12
